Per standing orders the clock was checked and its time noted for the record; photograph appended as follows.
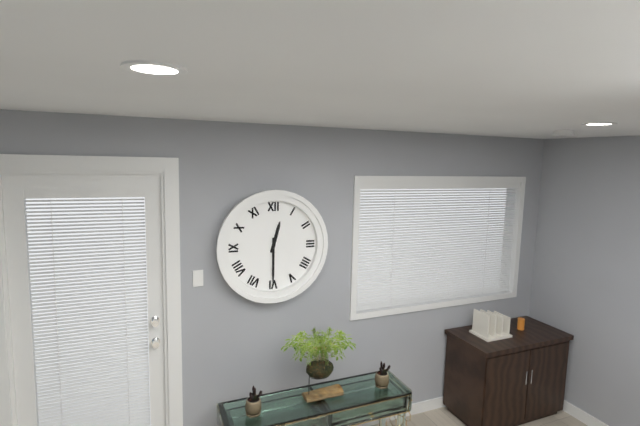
12:30
